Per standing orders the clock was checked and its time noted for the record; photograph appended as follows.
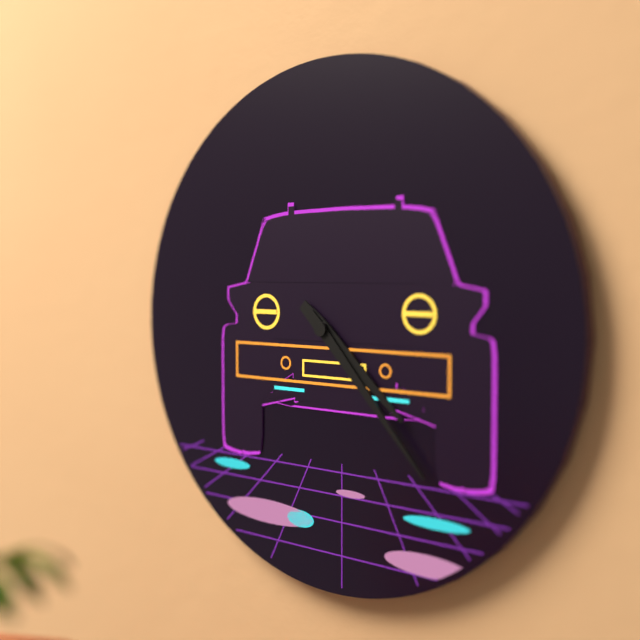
4:23
